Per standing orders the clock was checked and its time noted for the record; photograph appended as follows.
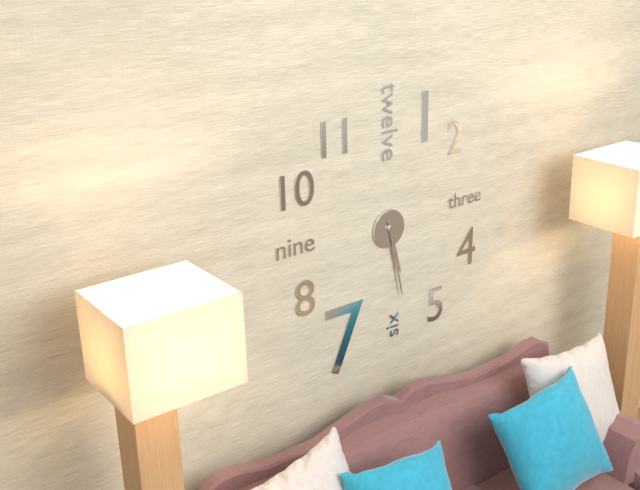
5:28
